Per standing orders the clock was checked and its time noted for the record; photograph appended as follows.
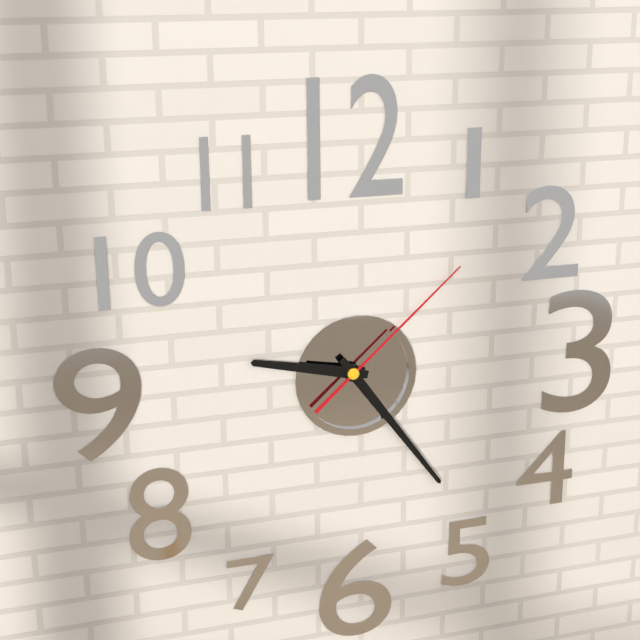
9:24:08
